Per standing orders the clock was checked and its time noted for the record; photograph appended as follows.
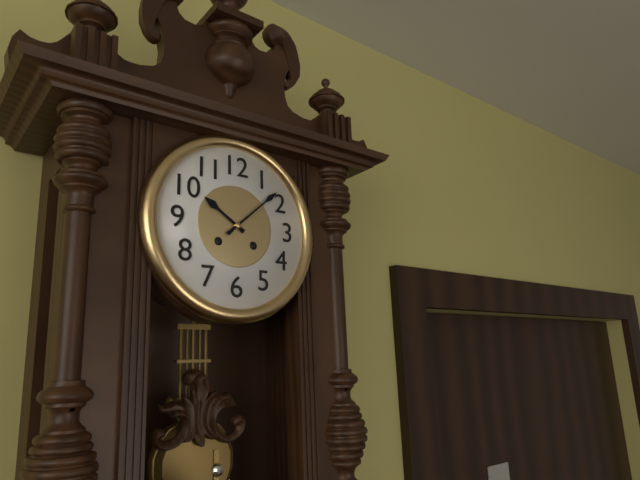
10:08
